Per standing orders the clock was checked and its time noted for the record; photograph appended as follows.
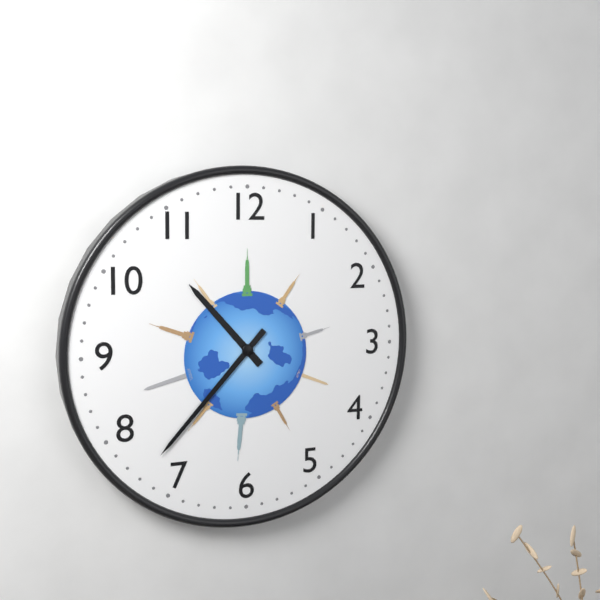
10:37
